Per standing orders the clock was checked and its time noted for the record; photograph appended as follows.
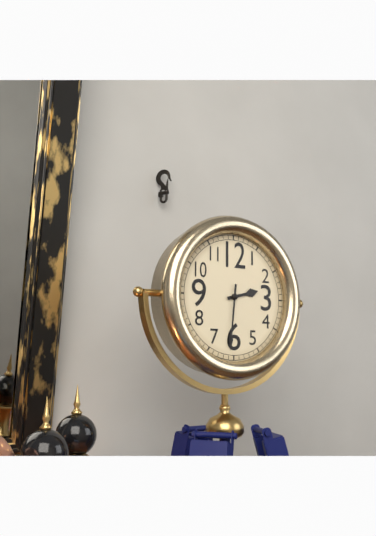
2:31
